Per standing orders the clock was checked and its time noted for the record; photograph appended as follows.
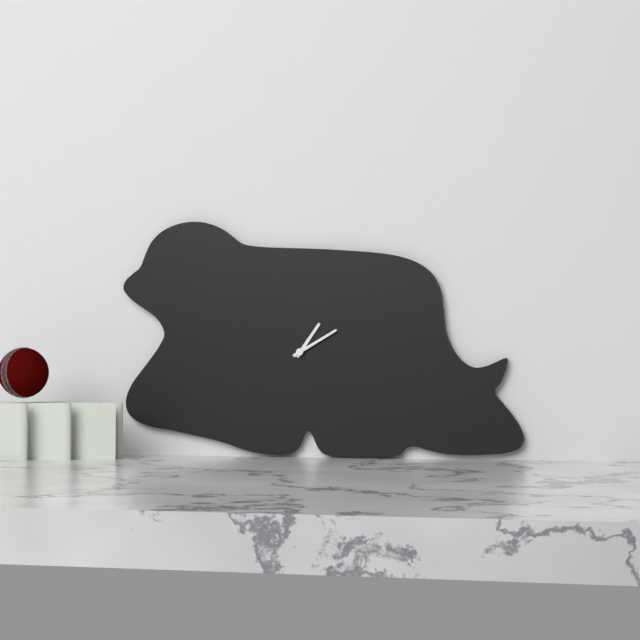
1:10
